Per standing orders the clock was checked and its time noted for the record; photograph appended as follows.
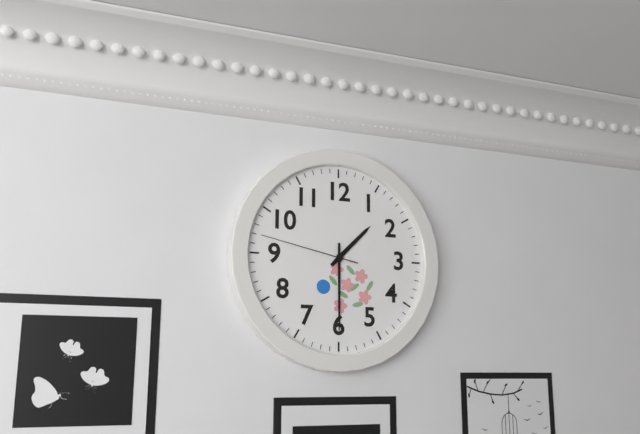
1:30:47
